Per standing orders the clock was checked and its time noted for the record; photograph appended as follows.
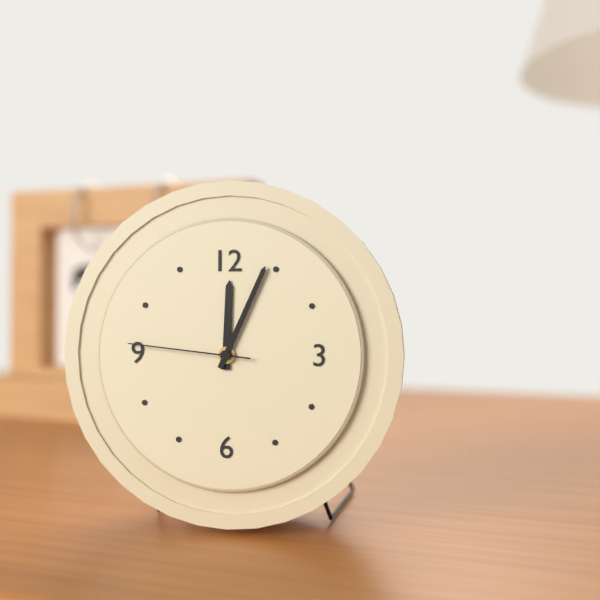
12:04:46
